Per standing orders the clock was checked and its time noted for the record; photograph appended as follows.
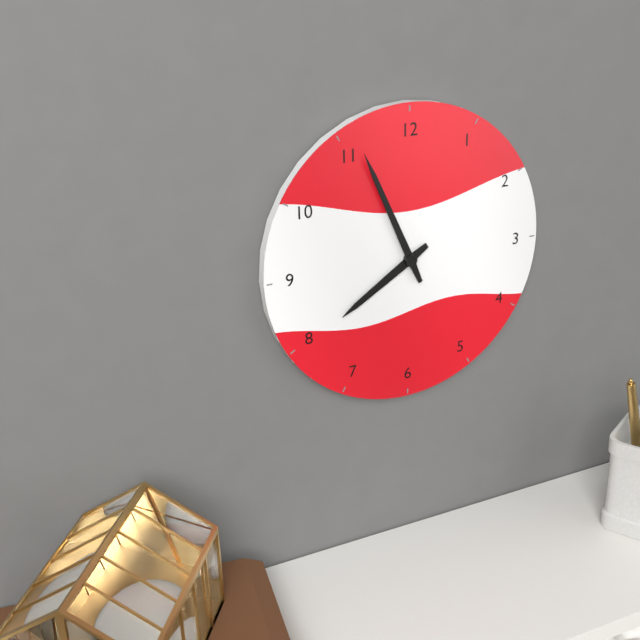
7:56
